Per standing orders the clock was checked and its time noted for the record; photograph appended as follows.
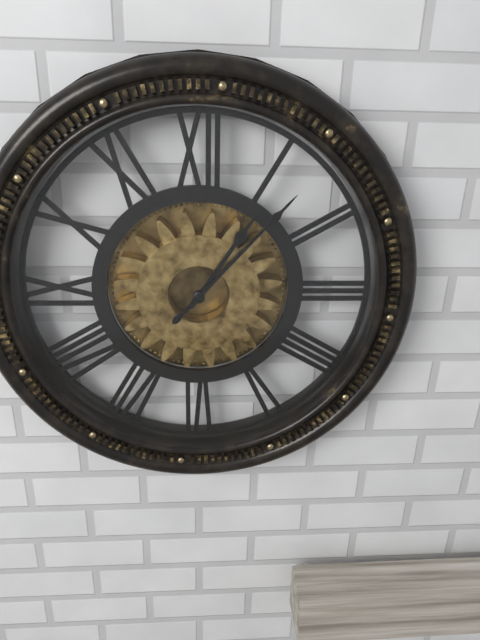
1:07
